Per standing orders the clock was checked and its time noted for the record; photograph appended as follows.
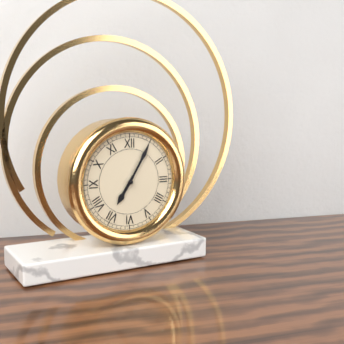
7:05
